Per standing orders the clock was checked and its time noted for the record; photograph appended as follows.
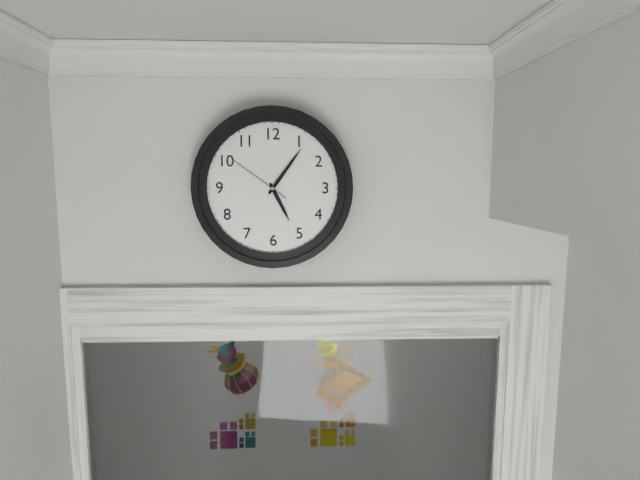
5:06:51
